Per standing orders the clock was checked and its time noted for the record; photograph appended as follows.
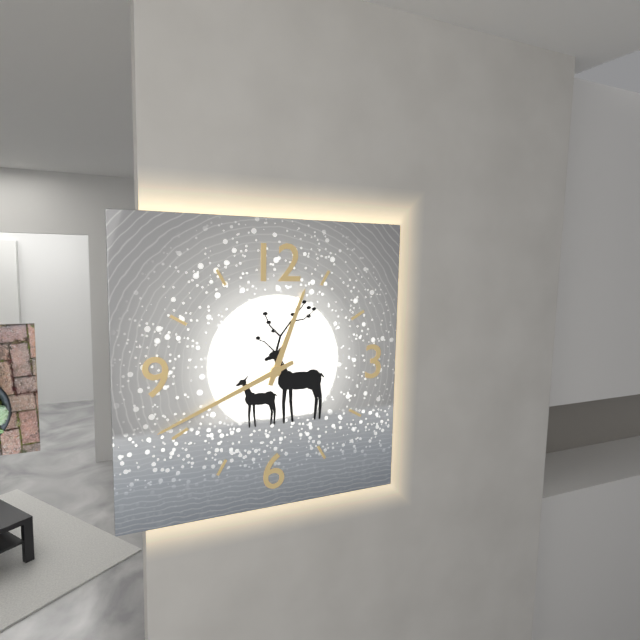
12:41
